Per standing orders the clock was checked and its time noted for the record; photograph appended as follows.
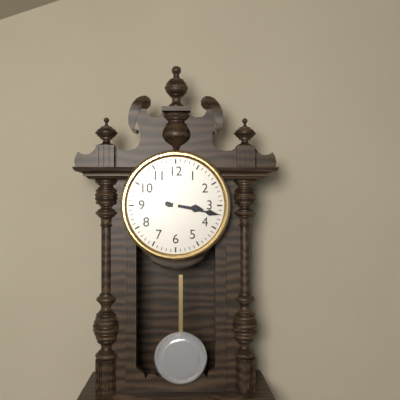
3:17
